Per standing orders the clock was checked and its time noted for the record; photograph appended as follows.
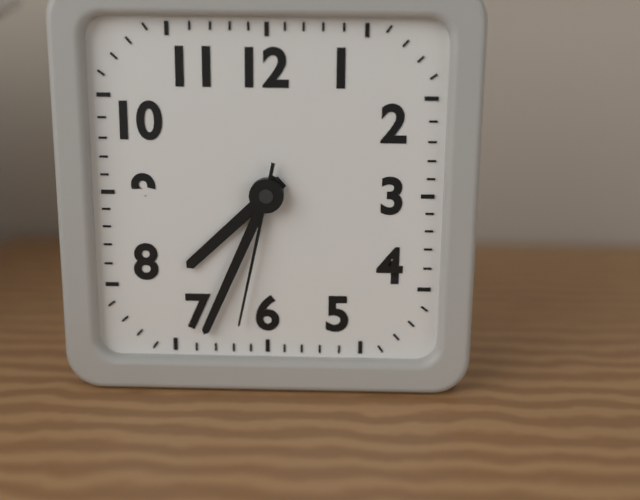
7:34:32
